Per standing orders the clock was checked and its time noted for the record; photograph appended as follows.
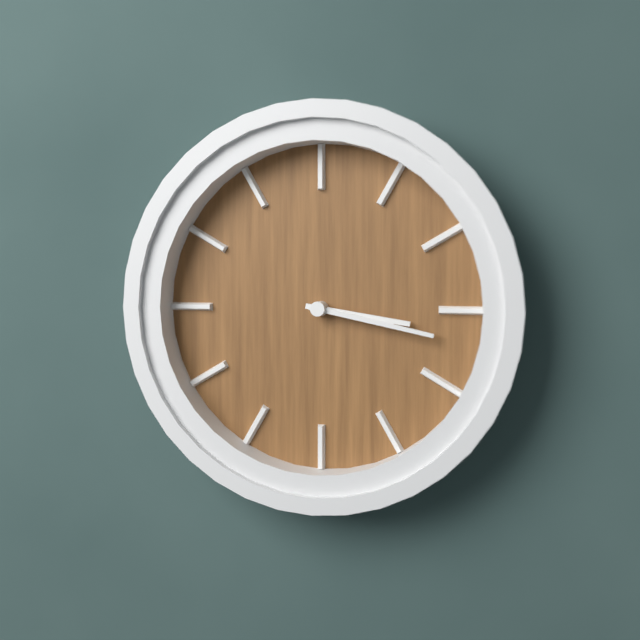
3:17
